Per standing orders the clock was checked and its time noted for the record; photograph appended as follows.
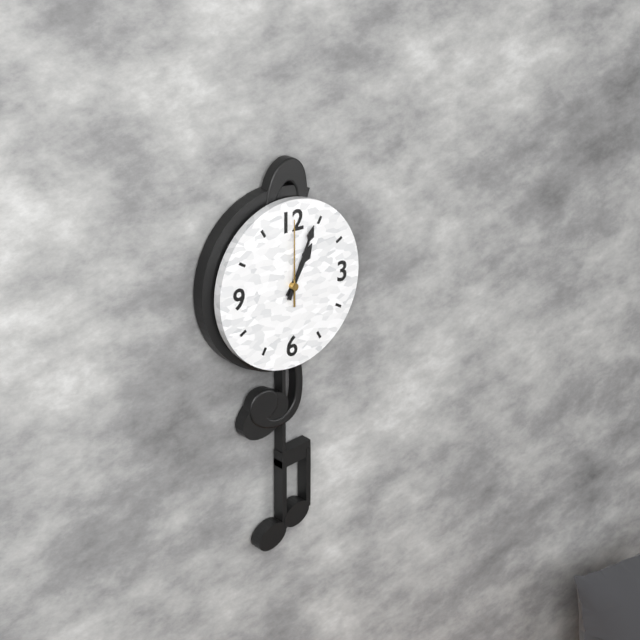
1:04:00
